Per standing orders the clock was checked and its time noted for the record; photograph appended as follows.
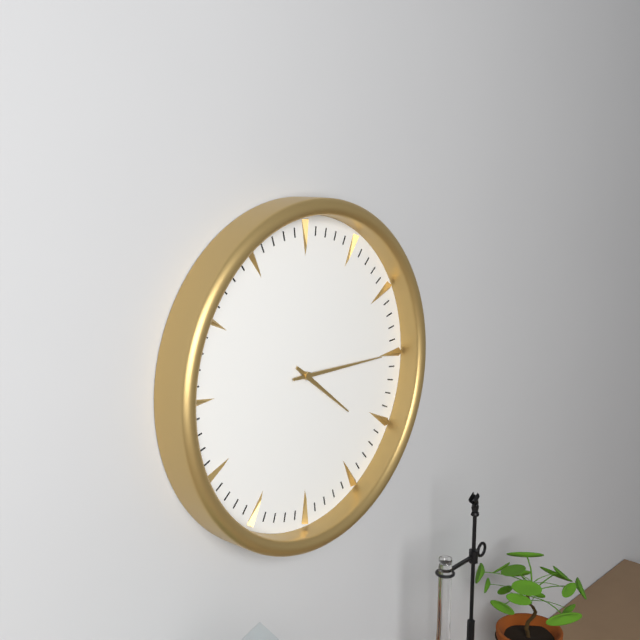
4:15
